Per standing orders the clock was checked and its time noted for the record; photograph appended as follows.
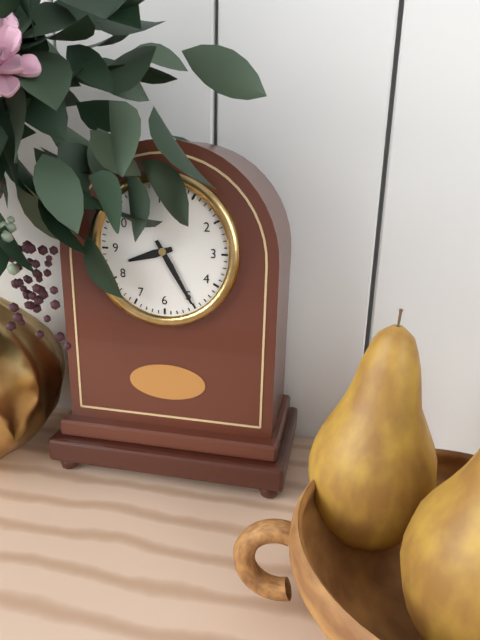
8:25
